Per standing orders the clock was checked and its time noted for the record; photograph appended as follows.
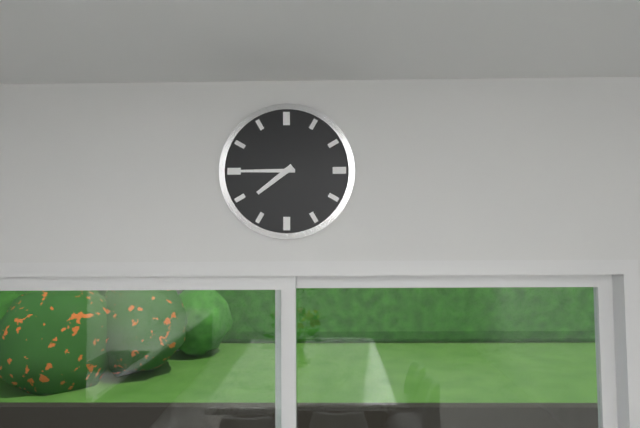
7:45
